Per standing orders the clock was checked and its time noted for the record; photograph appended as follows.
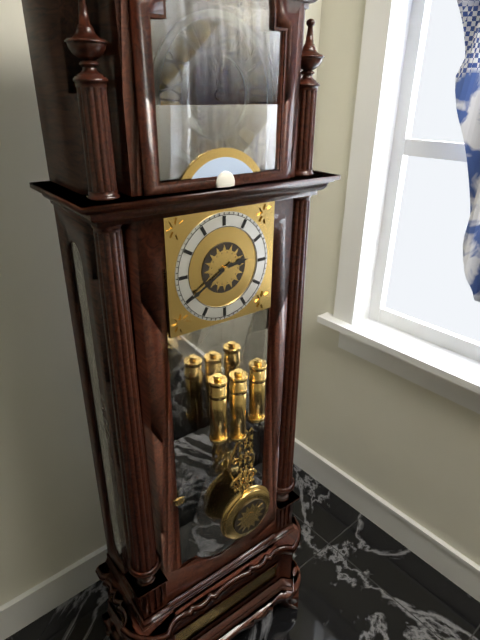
2:40
